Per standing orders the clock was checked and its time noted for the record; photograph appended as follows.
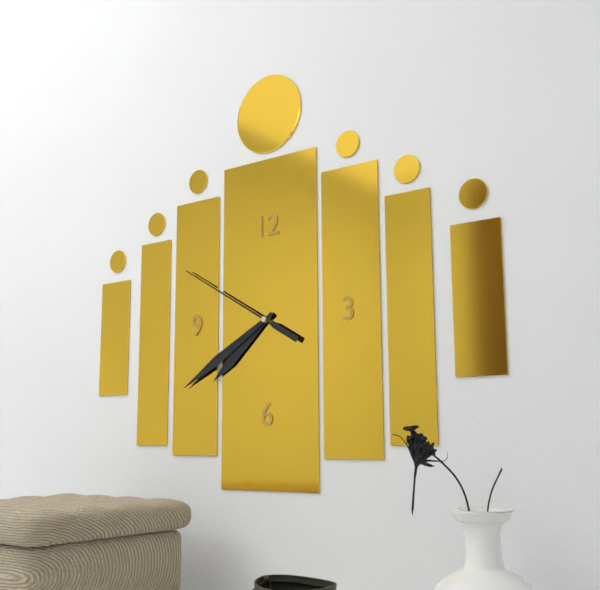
7:40:50
